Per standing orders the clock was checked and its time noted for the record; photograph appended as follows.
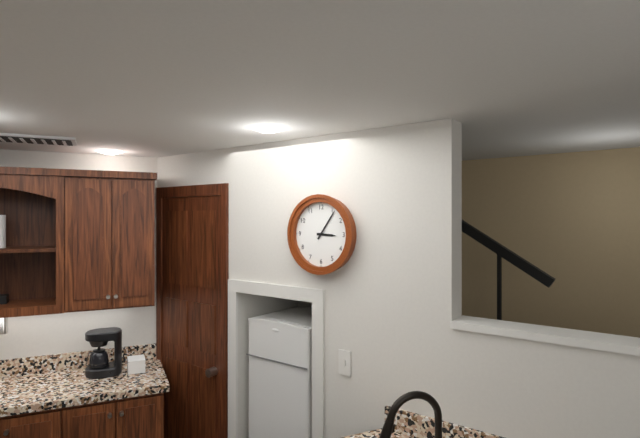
3:06
